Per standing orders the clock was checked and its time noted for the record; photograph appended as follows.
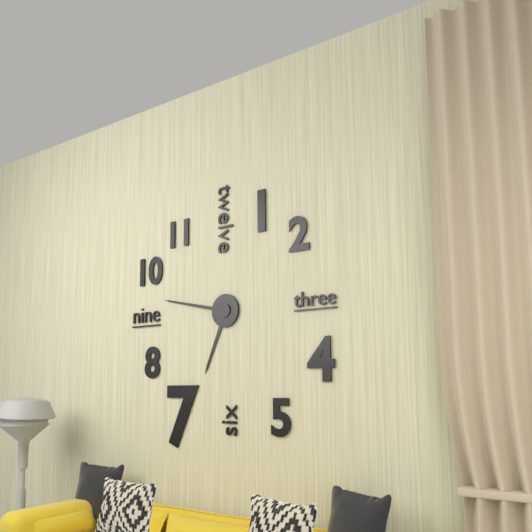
6:47
